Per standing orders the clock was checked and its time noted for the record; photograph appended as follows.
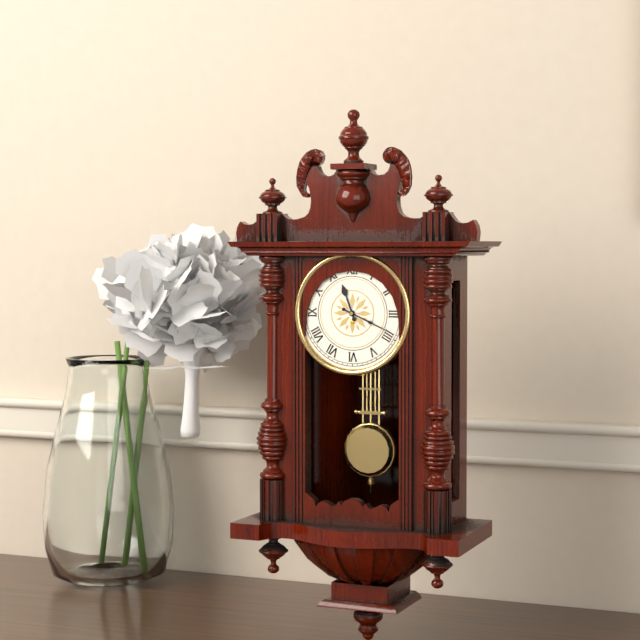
11:19
